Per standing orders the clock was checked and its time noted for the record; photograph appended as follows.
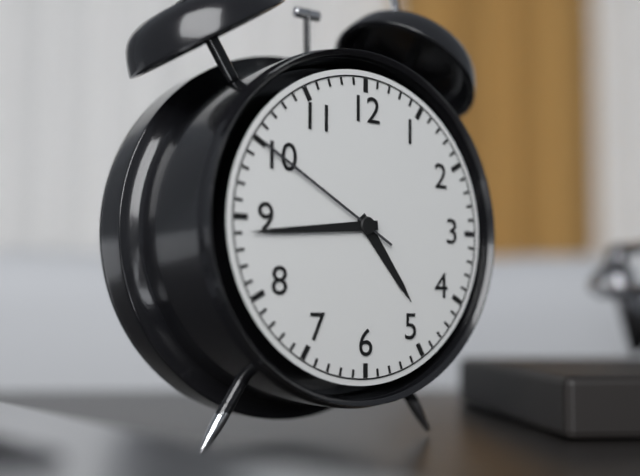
4:44:50
